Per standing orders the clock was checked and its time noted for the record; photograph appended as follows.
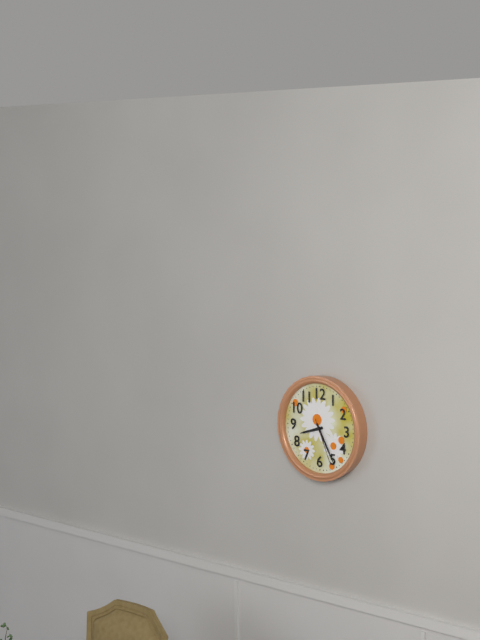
8:25
